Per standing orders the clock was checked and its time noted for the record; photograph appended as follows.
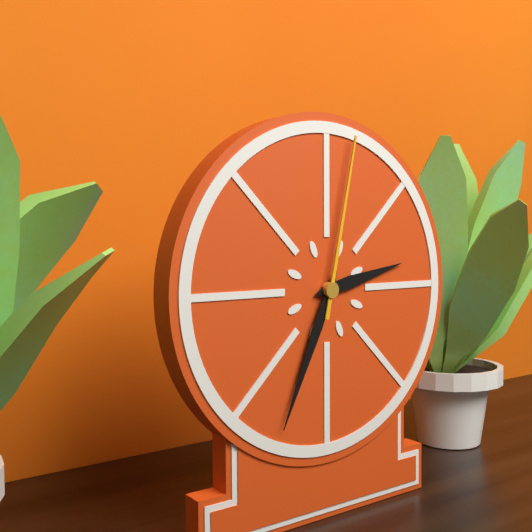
2:34:02
